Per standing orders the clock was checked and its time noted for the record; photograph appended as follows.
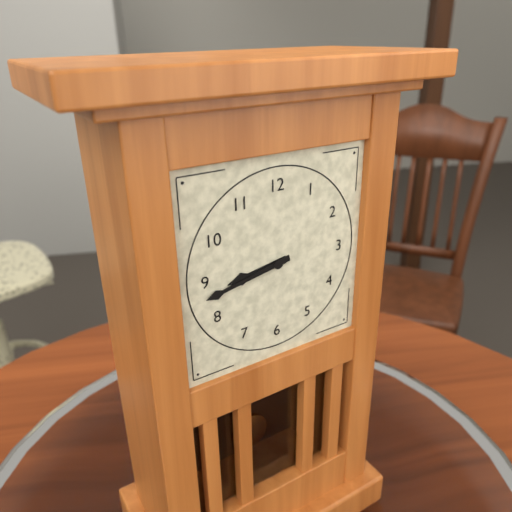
8:43
